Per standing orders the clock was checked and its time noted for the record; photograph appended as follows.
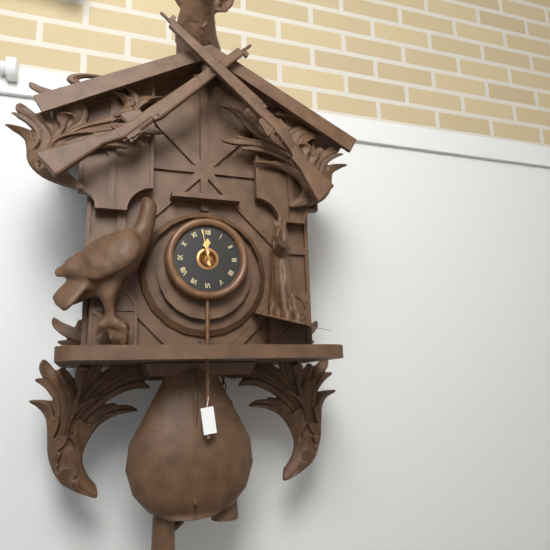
11:58
